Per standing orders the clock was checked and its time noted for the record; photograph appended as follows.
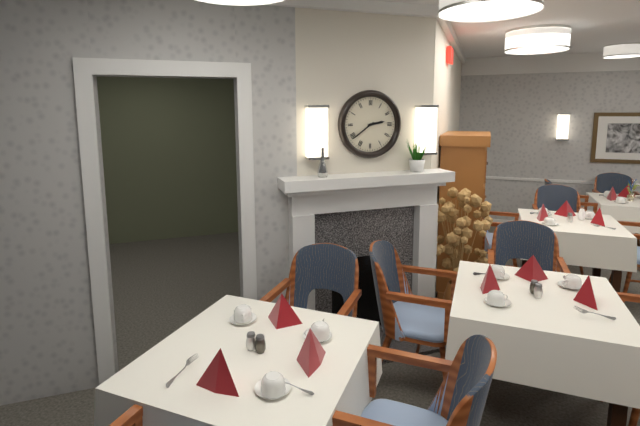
2:39
